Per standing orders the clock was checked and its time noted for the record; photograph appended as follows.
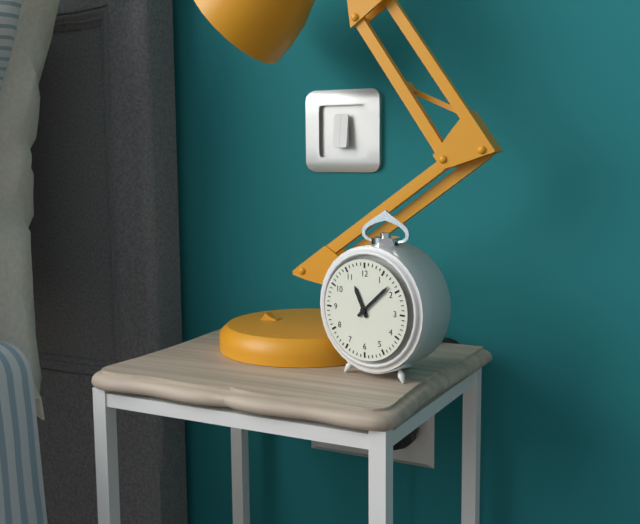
11:08
